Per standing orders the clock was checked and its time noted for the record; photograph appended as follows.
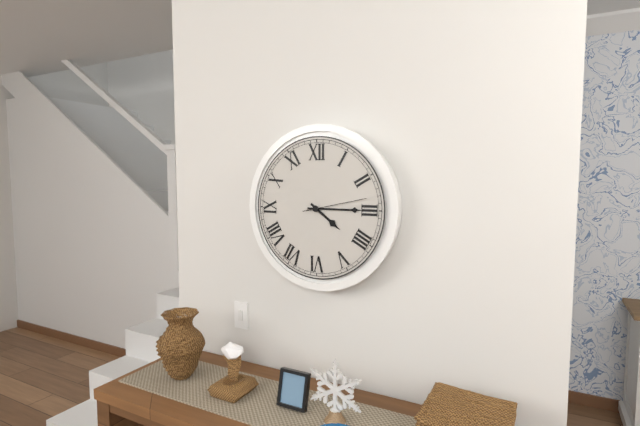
4:15:13
